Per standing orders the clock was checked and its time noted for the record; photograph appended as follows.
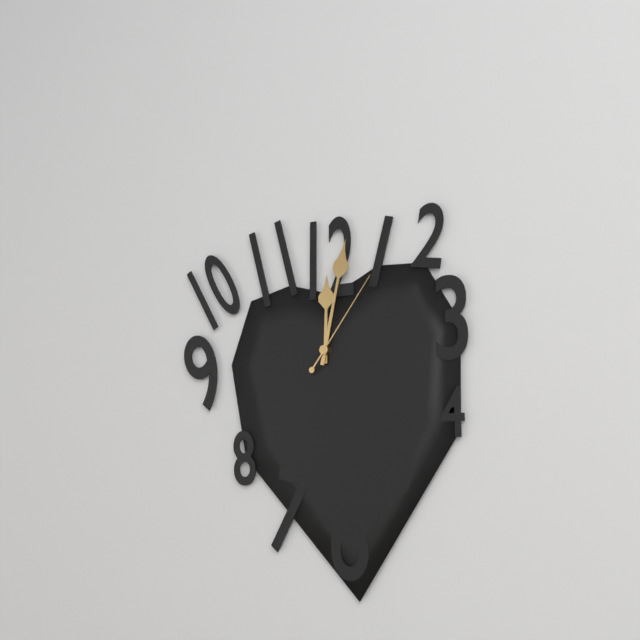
12:02:06
